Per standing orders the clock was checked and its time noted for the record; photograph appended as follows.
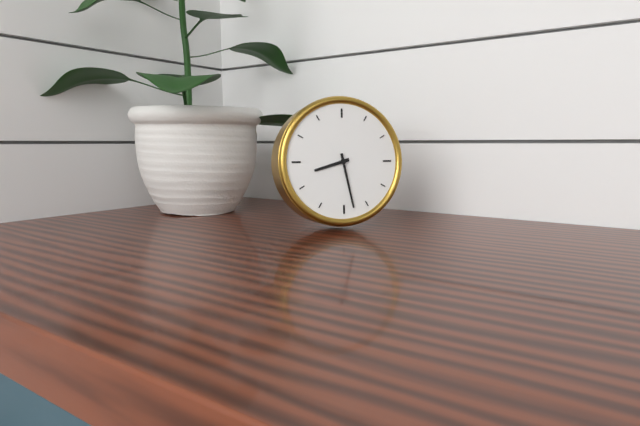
8:28
